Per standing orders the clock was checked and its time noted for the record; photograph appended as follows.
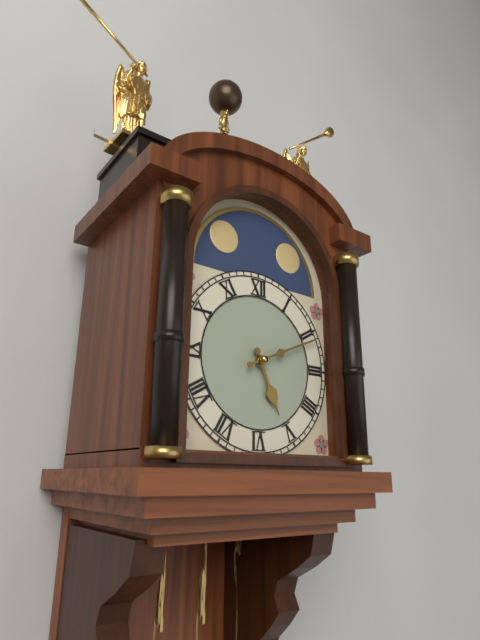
5:11
